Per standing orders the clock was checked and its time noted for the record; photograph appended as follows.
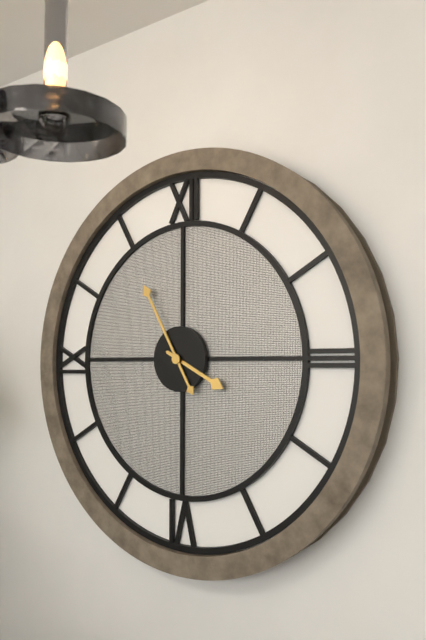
3:55
